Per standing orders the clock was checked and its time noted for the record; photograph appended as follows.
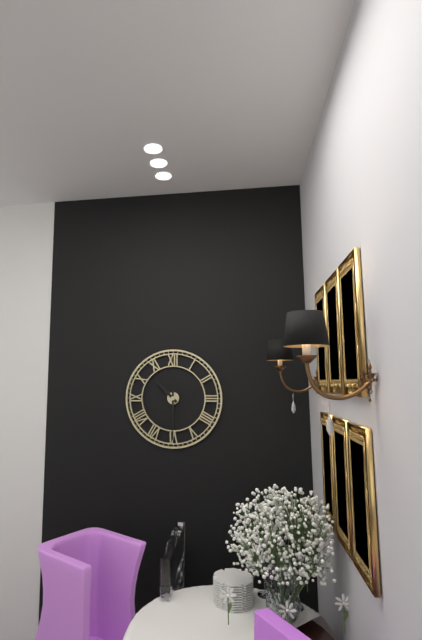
10:30
